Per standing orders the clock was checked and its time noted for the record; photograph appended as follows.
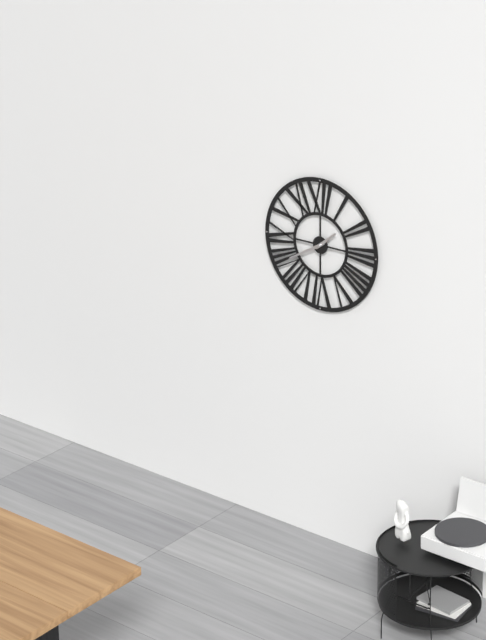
1:40
